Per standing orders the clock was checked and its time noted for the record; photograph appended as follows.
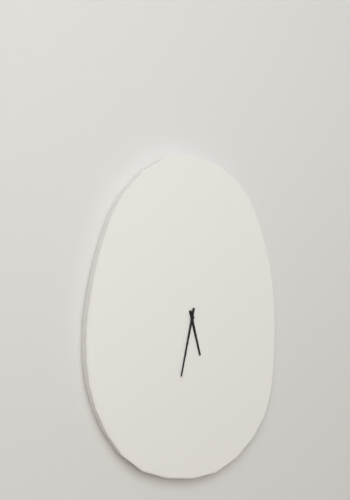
5:32
